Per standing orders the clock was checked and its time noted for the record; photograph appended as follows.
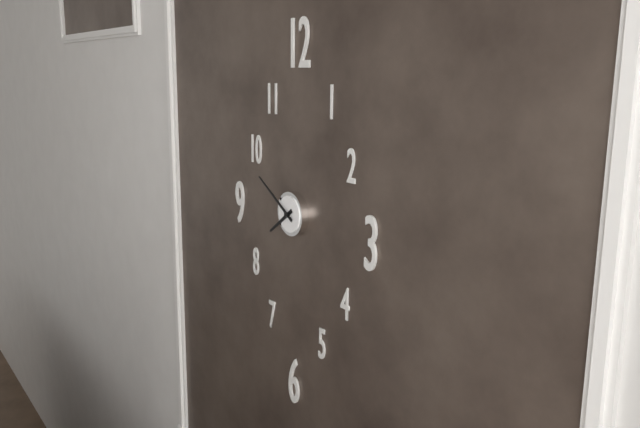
7:50
